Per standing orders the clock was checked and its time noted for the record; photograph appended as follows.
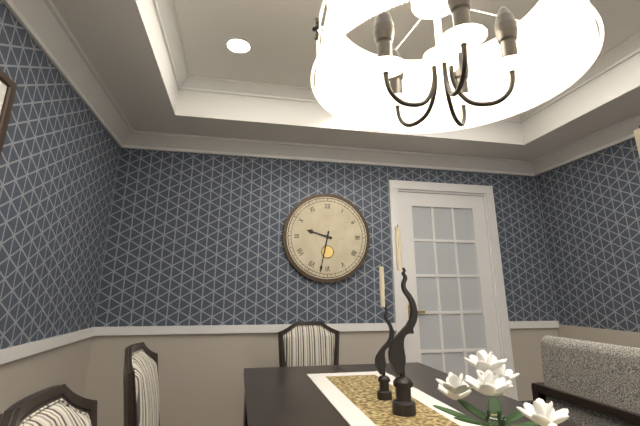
9:32
